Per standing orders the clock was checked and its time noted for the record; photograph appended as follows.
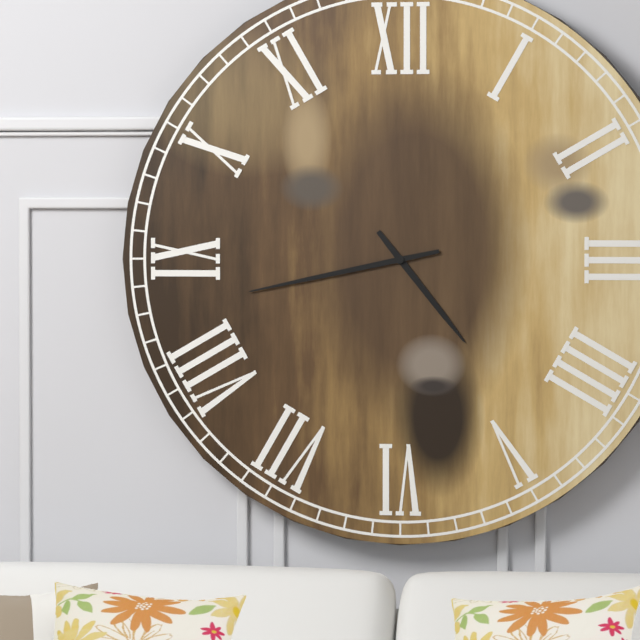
4:43
